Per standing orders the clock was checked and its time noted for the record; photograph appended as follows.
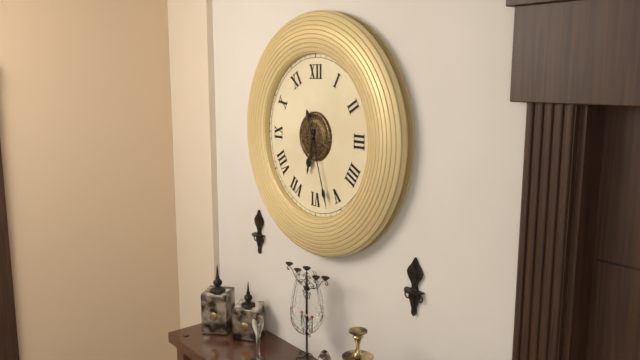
6:27
